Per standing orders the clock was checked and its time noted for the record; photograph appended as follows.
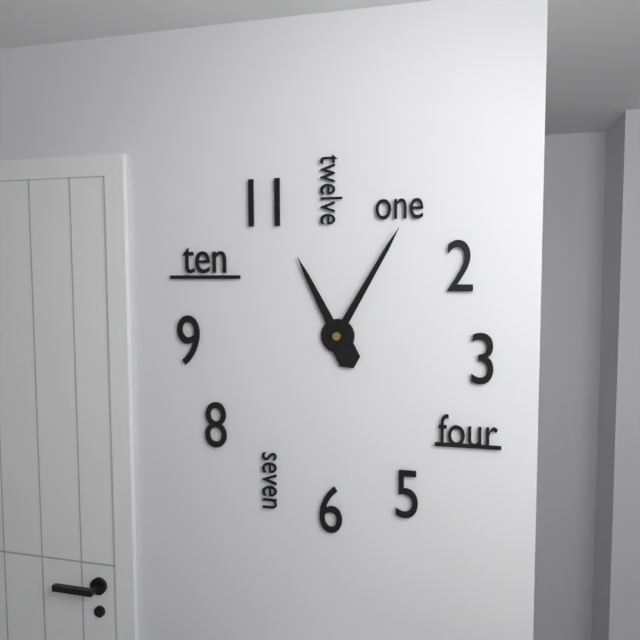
11:05
